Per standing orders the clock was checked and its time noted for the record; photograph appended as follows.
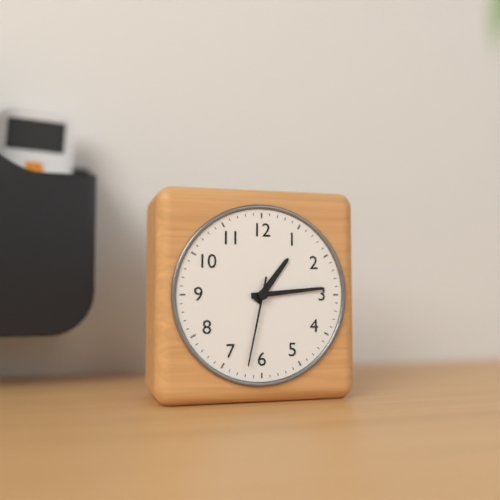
1:14:32
